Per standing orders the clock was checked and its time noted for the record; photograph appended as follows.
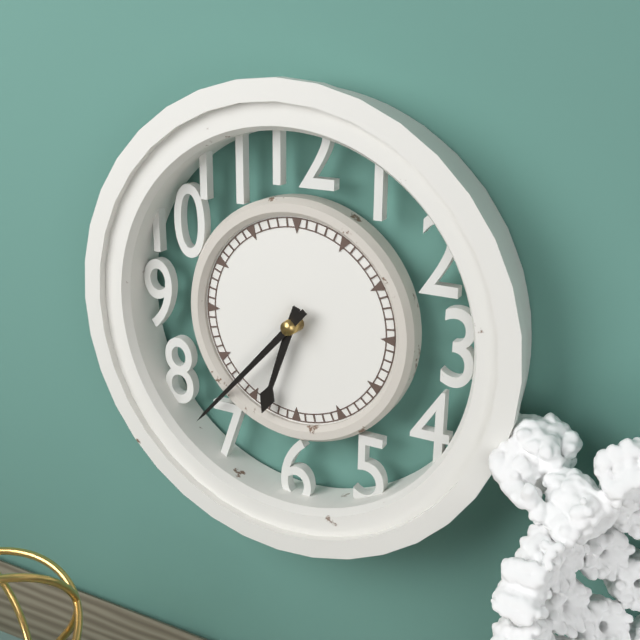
6:37
